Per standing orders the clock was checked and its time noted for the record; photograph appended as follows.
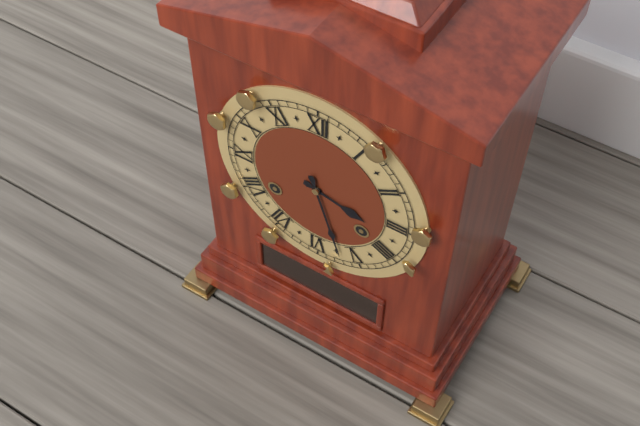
3:27
